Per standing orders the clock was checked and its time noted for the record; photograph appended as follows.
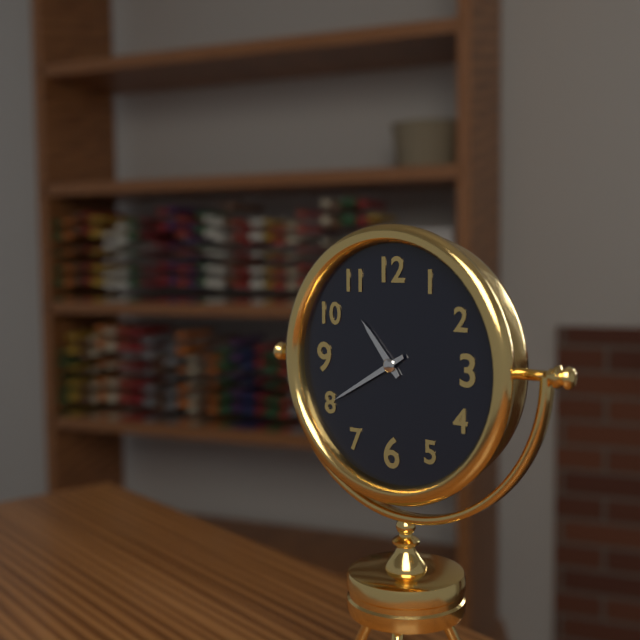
10:40
